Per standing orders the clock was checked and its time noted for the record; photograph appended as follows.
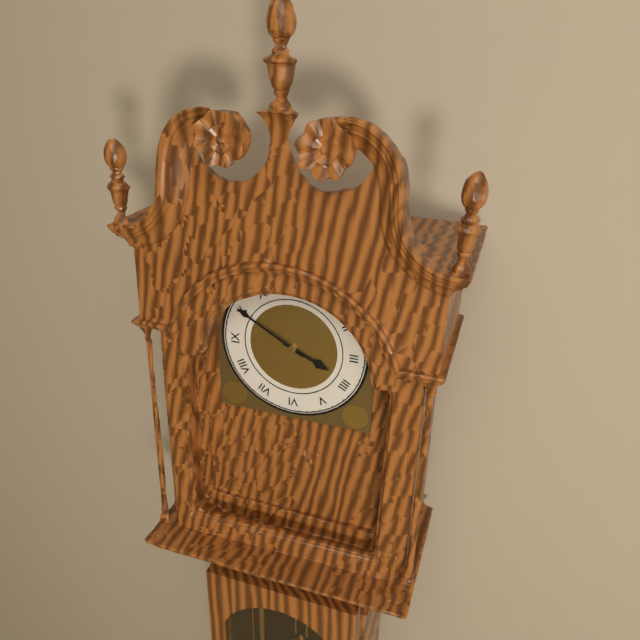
3:50
